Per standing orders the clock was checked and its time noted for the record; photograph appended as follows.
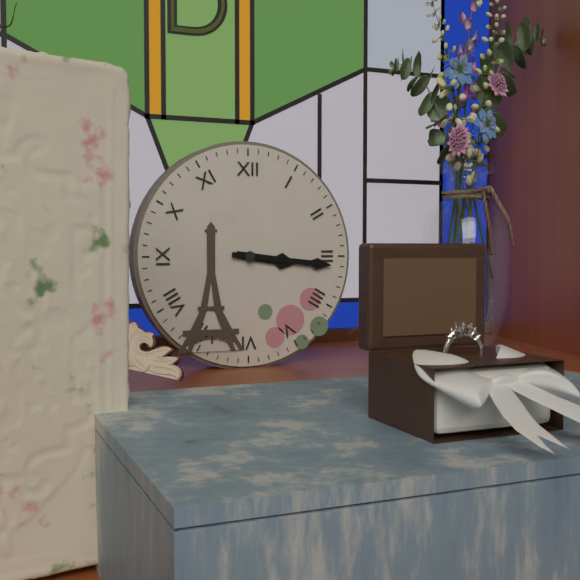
3:16
